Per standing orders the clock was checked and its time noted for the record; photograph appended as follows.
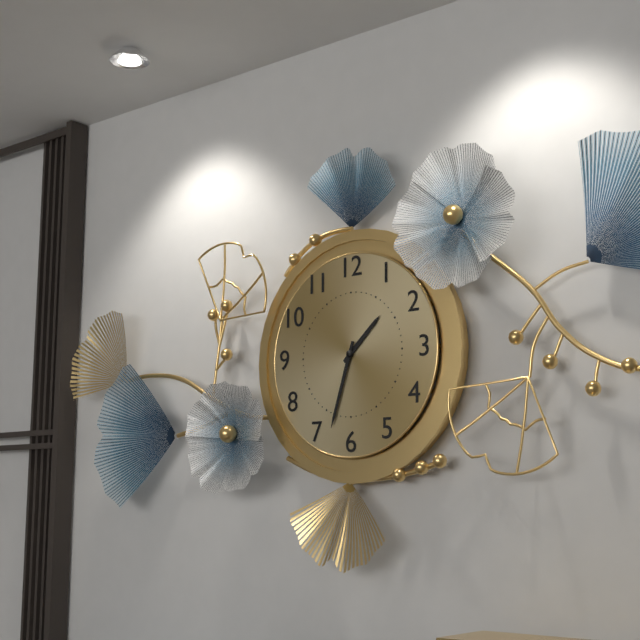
1:33
